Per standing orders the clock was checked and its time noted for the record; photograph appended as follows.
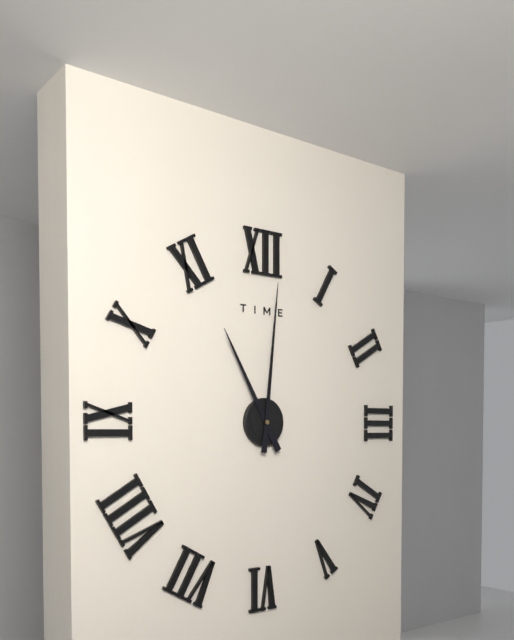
11:01
